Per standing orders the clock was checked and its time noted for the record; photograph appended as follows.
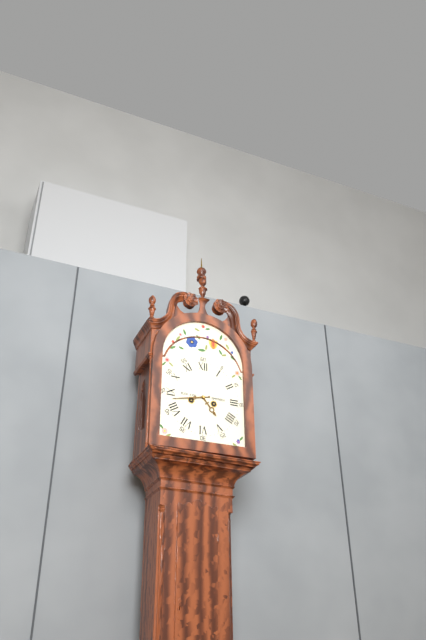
4:43
